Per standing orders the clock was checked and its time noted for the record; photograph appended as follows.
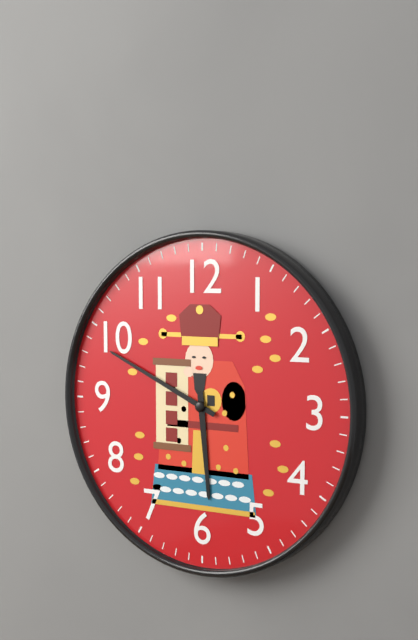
5:49
